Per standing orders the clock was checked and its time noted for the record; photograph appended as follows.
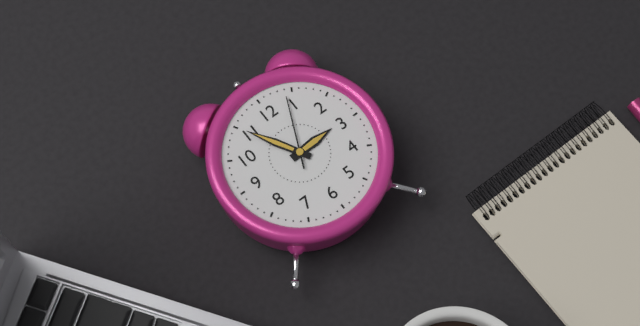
2:55:04
